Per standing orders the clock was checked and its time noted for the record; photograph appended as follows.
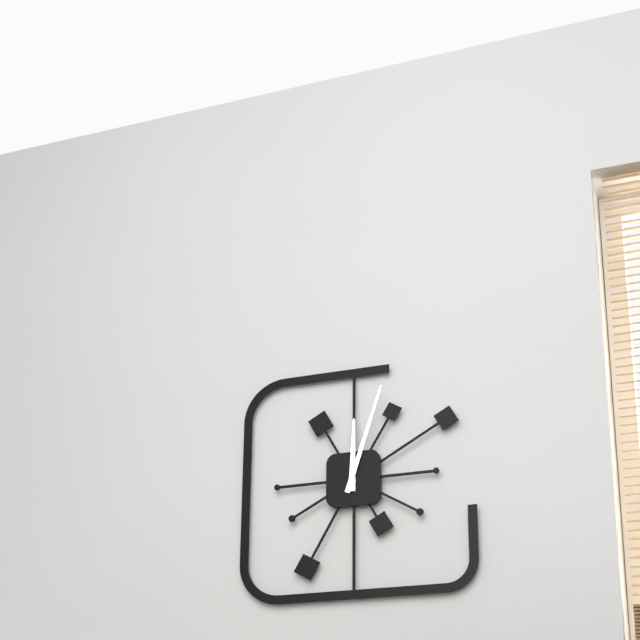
12:03
